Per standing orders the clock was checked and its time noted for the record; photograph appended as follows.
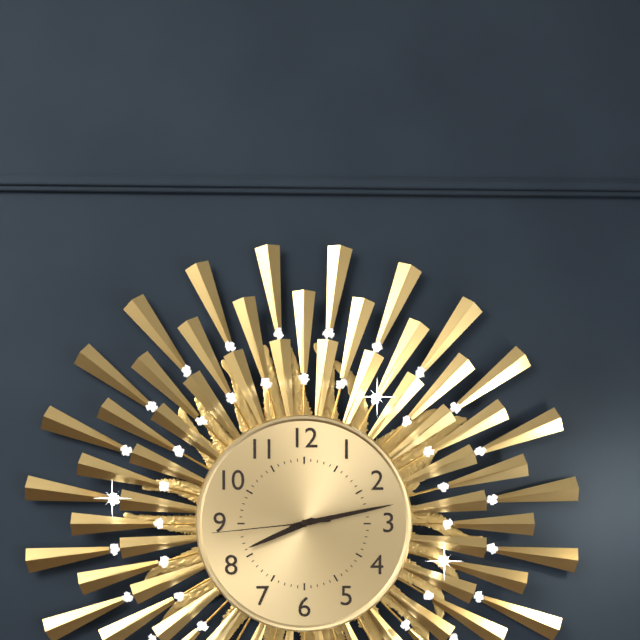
8:13:44
